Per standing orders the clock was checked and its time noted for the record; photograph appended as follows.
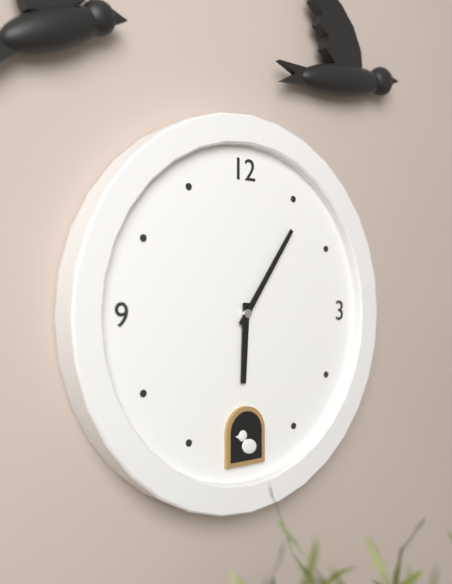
6:06
